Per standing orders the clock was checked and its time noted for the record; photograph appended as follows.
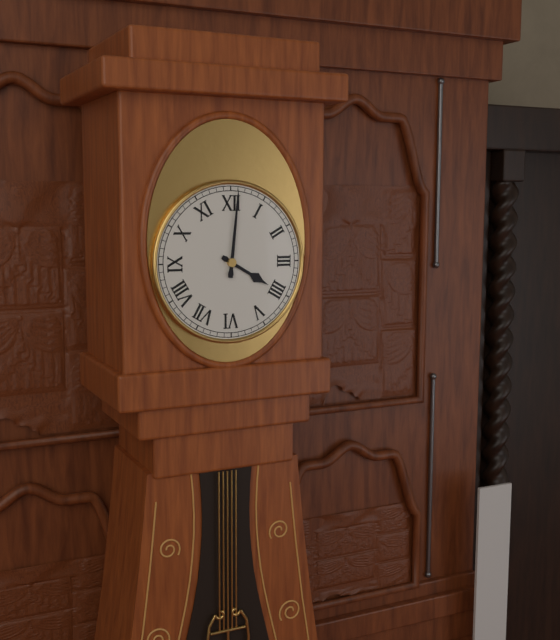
4:01
